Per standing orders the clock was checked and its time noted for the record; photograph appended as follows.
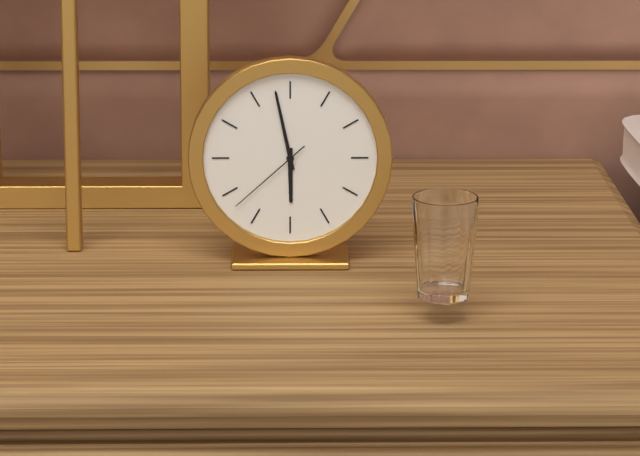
5:58:38
